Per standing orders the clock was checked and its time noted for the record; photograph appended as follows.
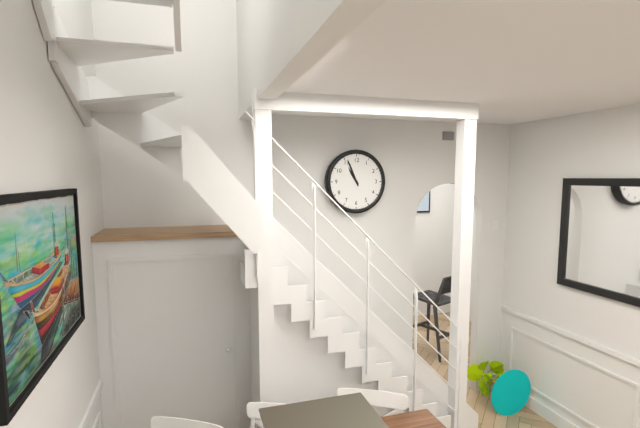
10:56
